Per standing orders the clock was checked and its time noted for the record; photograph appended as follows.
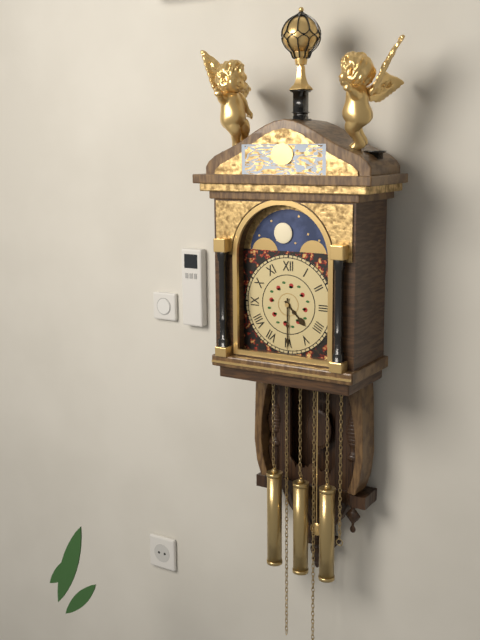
4:30
